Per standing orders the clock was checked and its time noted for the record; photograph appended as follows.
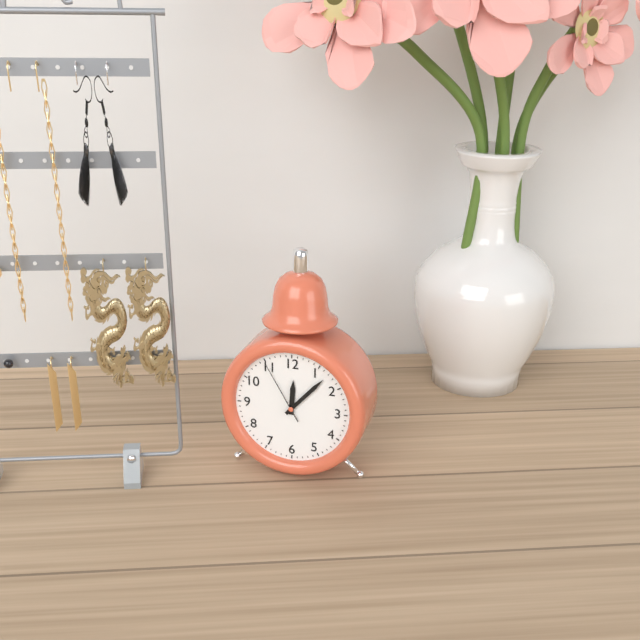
12:07:55
